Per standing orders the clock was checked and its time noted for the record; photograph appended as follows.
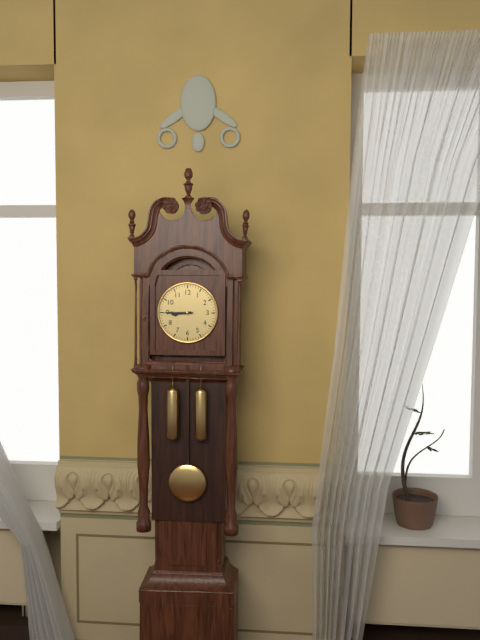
8:45
